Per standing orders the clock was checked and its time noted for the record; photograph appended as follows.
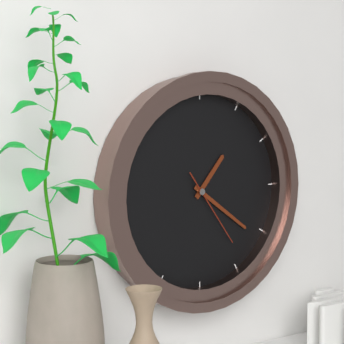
1:21:24
